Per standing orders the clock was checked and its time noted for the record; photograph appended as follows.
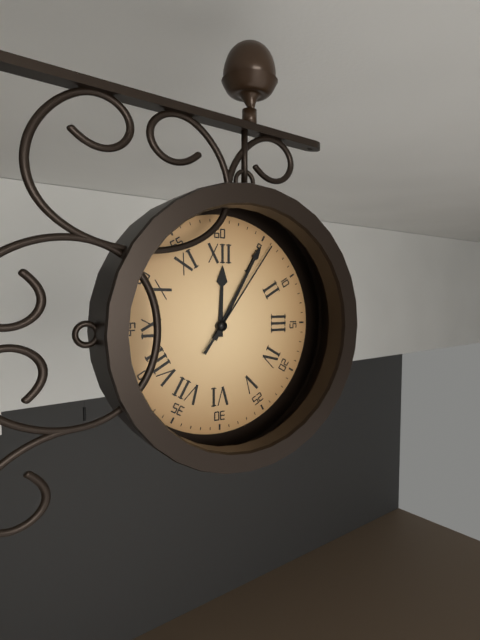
12:05:06
